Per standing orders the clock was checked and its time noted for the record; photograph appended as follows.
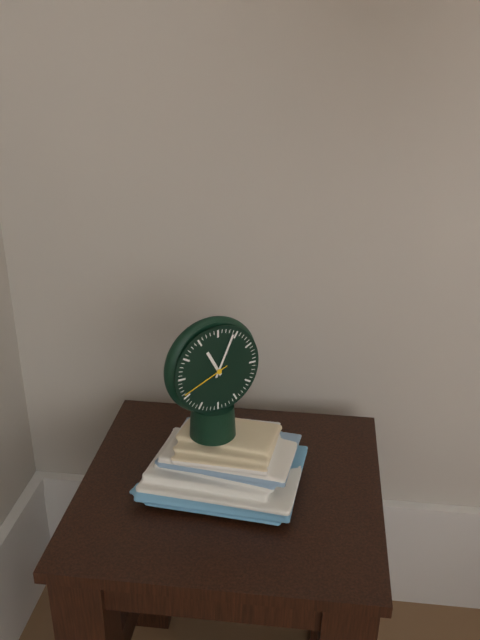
11:04:41
